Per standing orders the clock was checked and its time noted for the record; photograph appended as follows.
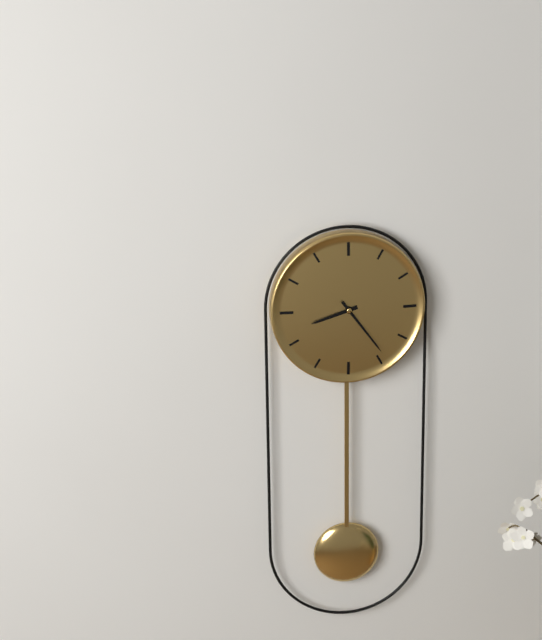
8:24
